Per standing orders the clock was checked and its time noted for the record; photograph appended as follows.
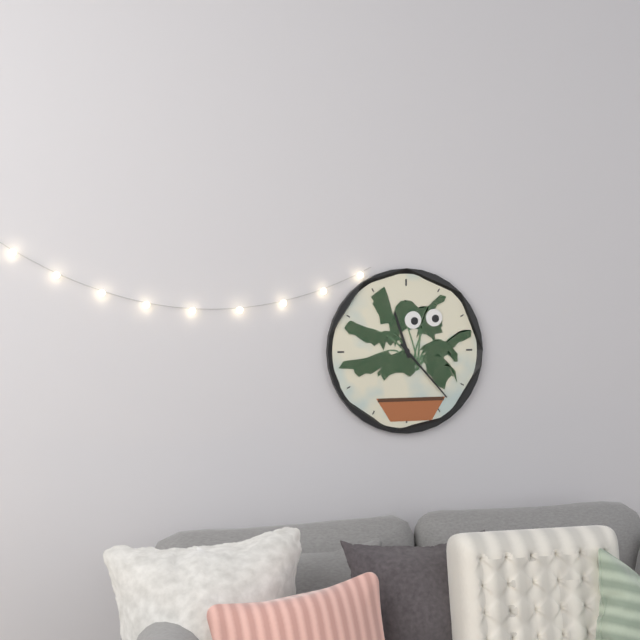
11:23
